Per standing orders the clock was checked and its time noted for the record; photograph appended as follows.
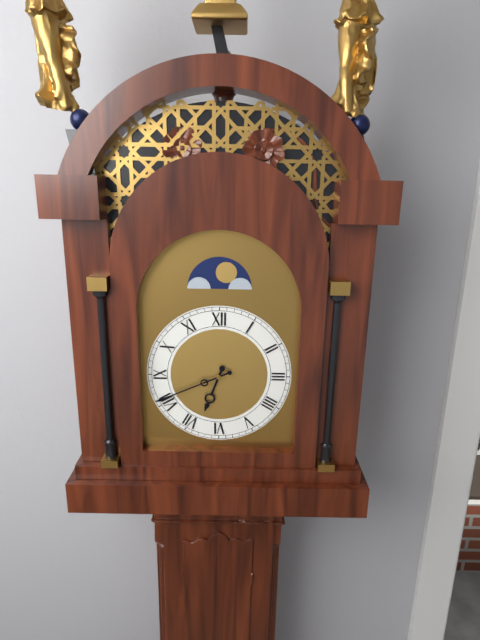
6:41
